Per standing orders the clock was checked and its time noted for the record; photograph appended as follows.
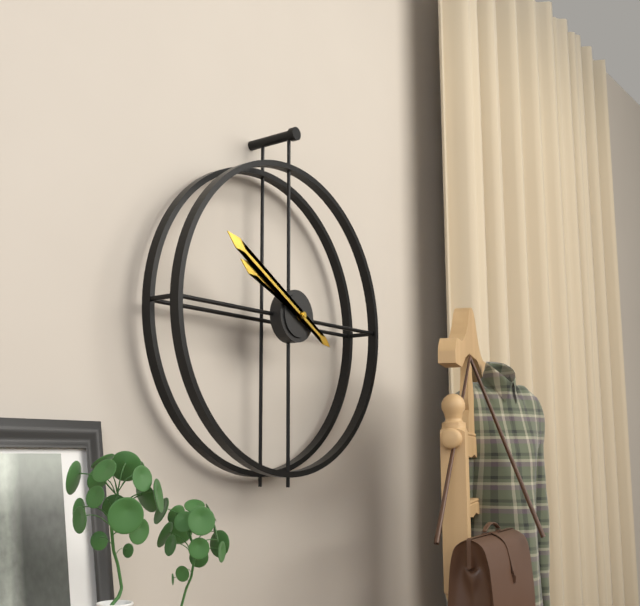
9:50
